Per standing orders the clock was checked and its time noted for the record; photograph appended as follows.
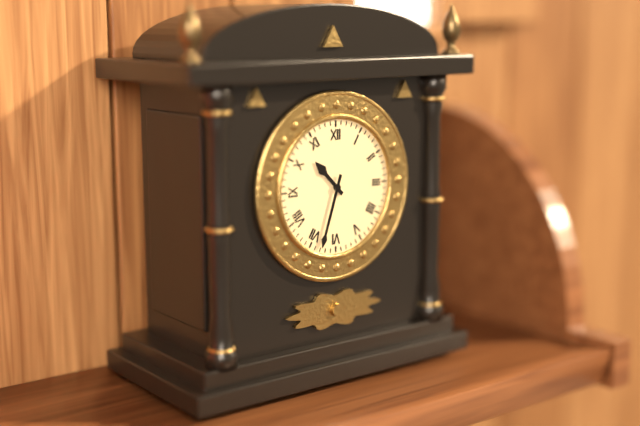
10:33
